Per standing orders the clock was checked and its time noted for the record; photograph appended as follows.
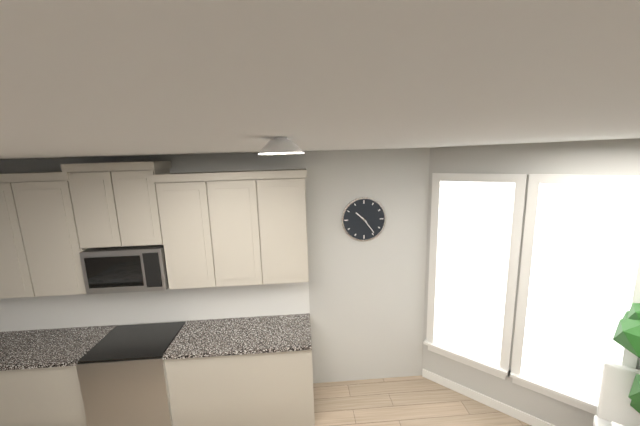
10:24
